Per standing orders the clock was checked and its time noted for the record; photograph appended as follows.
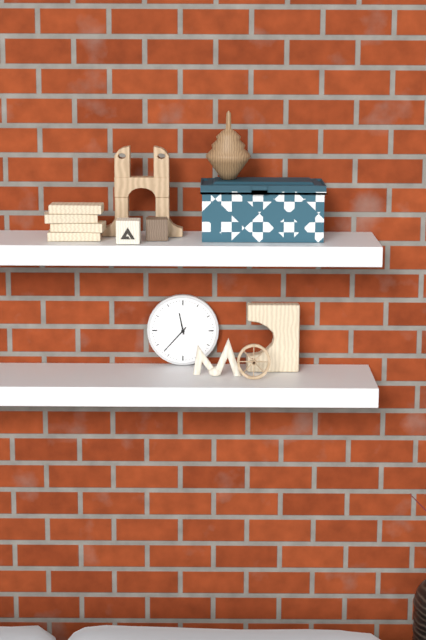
11:37
